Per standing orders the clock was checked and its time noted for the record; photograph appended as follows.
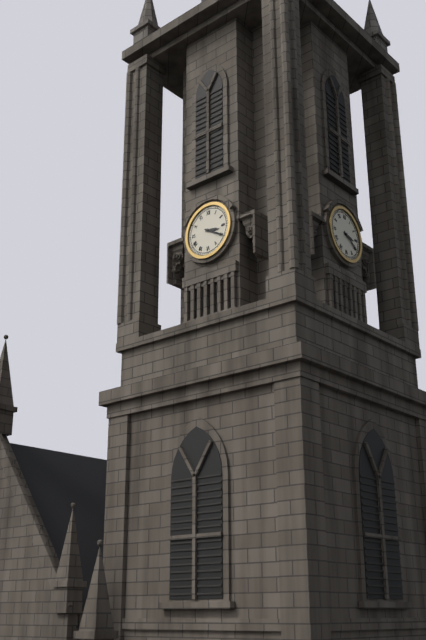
3:20
